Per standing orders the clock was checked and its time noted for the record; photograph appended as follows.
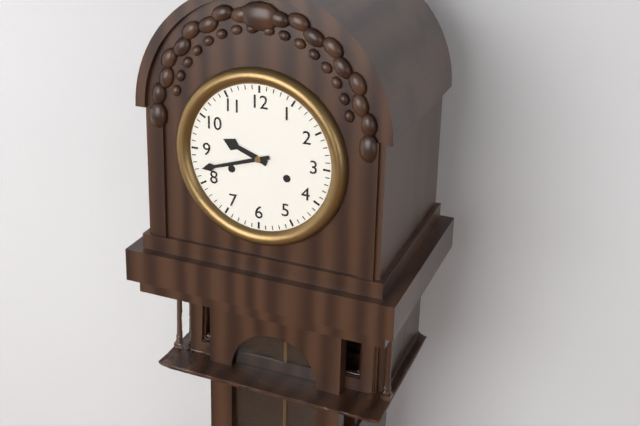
9:42
